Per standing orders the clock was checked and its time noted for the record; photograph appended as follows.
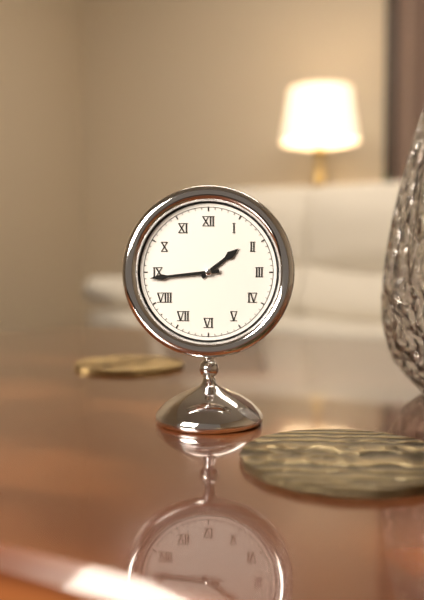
1:44
